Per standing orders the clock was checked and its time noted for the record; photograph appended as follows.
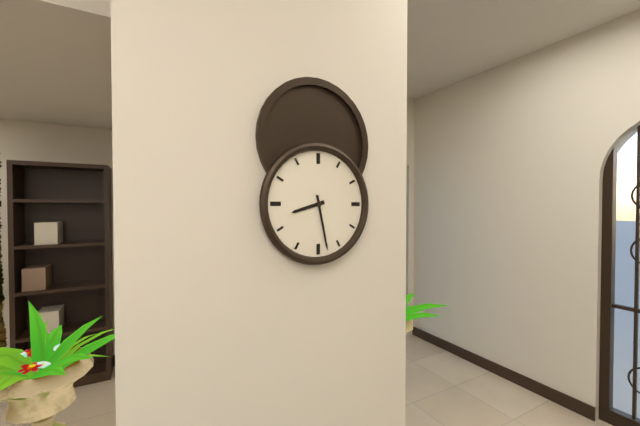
8:28
